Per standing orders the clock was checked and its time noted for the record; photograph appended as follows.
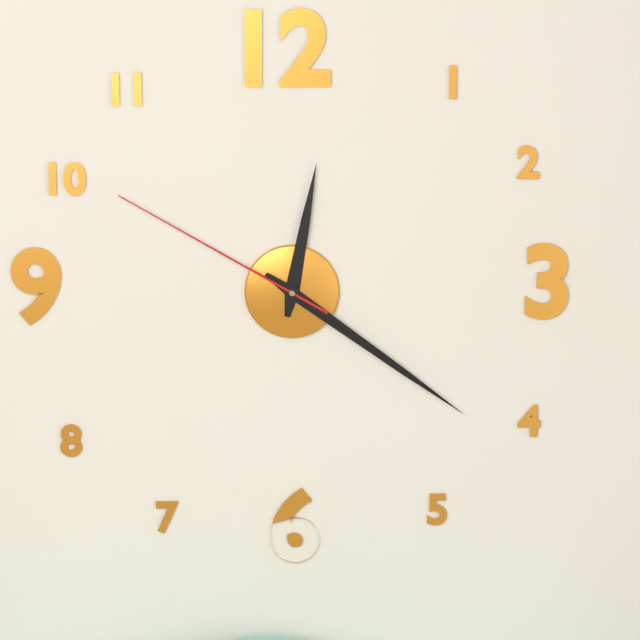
12:21:50
